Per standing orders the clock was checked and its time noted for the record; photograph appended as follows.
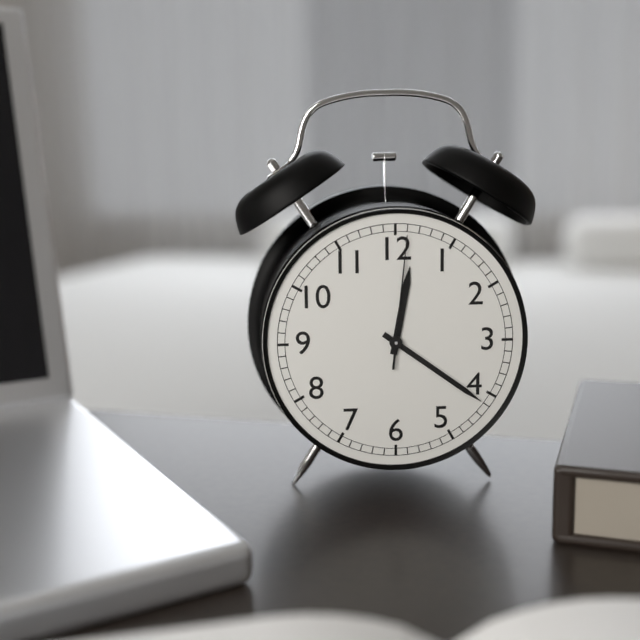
12:21:01
